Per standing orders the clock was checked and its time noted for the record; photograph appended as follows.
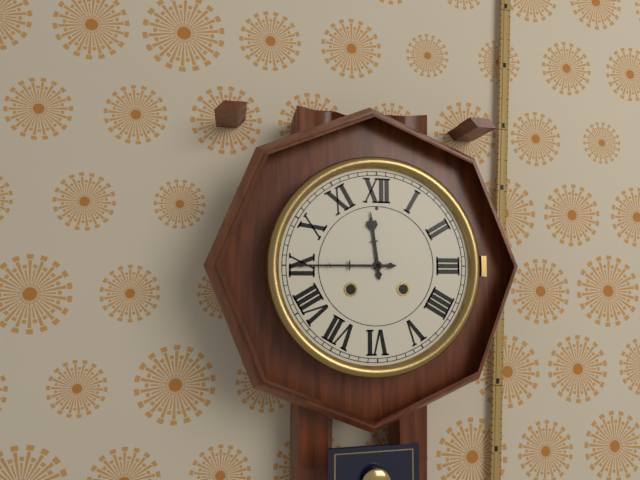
11:45
